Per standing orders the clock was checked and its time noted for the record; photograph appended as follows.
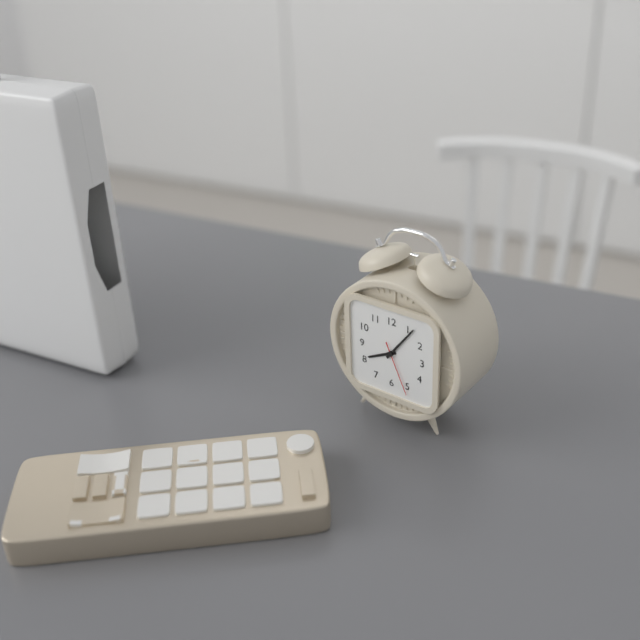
8:06:26
